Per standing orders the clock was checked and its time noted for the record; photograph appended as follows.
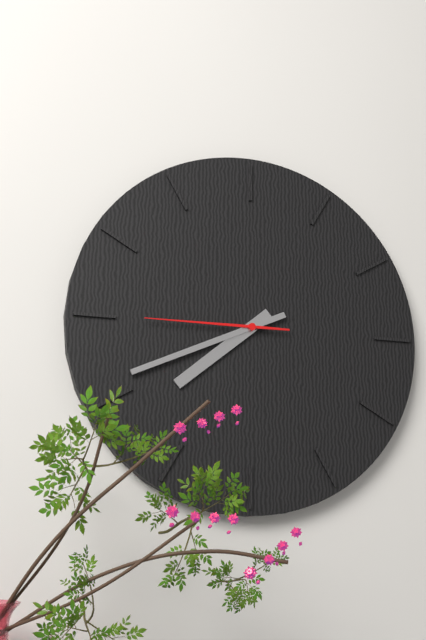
7:41:45
